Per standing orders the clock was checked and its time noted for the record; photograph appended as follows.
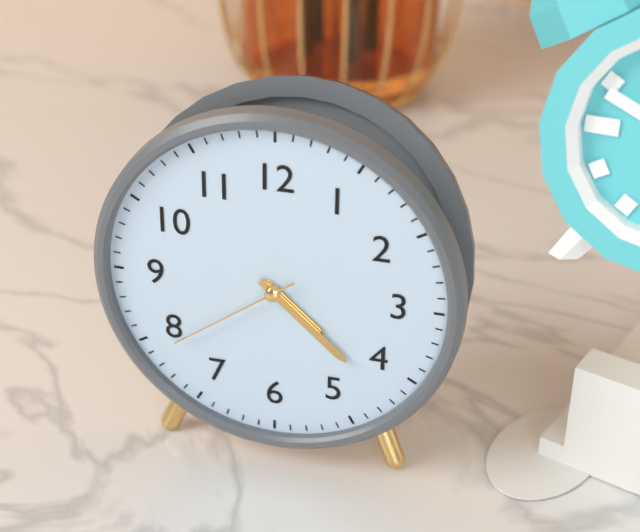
4:22:39
